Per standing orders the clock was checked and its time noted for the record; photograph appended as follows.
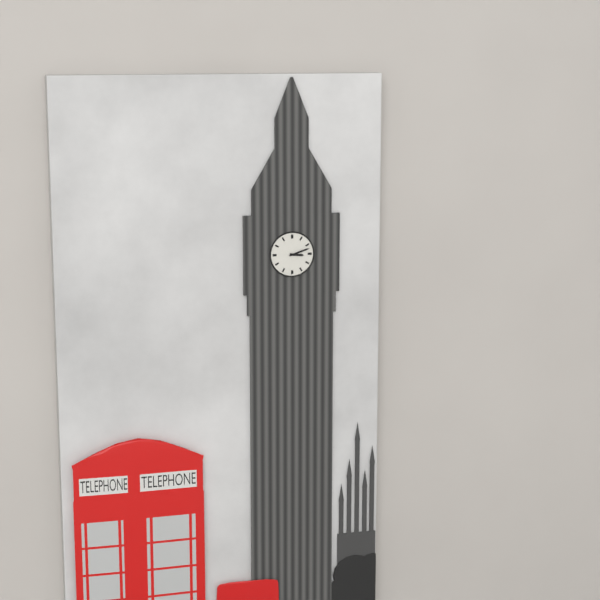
3:12
